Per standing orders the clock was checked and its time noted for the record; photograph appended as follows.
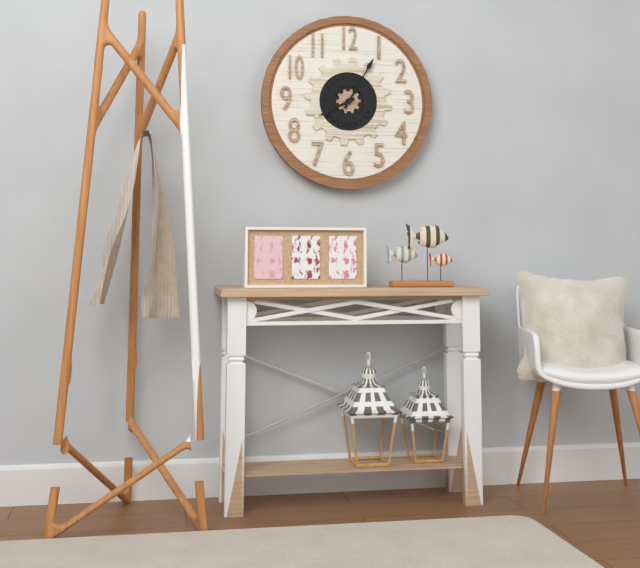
8:05
